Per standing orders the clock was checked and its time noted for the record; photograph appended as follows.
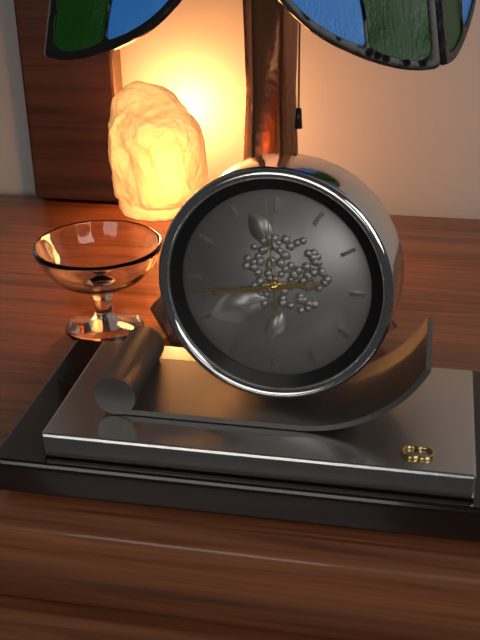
2:43:59
